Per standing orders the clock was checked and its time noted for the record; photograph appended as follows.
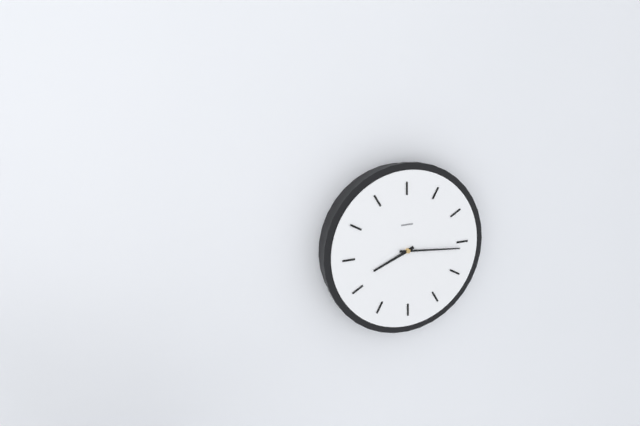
8:16
